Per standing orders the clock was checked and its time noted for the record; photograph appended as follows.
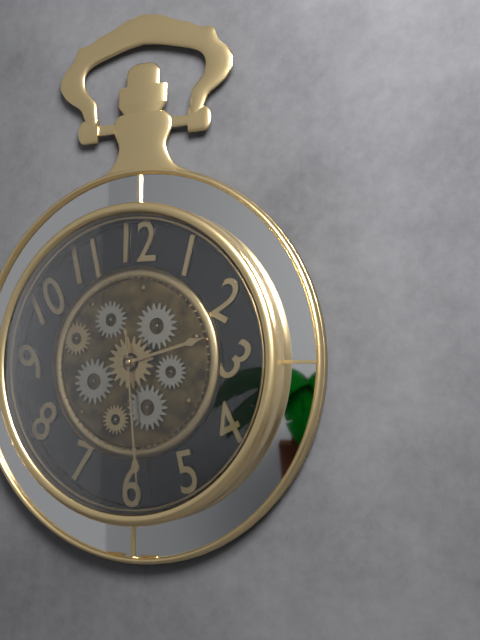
2:29
